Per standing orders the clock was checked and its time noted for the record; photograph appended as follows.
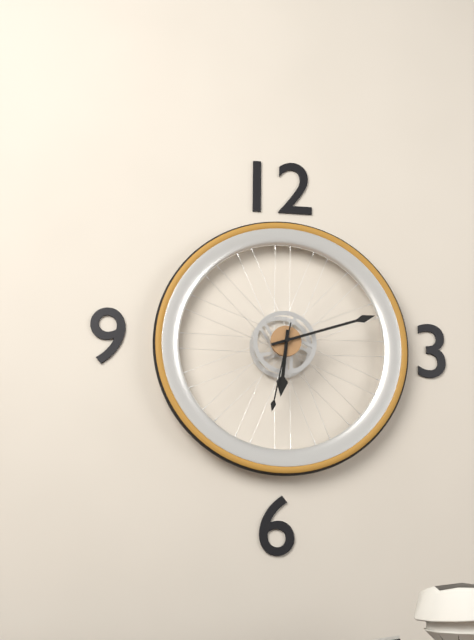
6:12:32
